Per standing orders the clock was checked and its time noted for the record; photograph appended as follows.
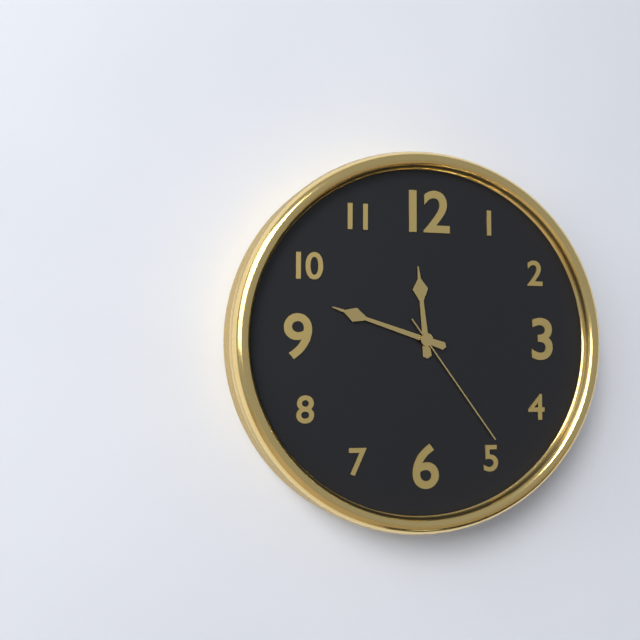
11:48:24
